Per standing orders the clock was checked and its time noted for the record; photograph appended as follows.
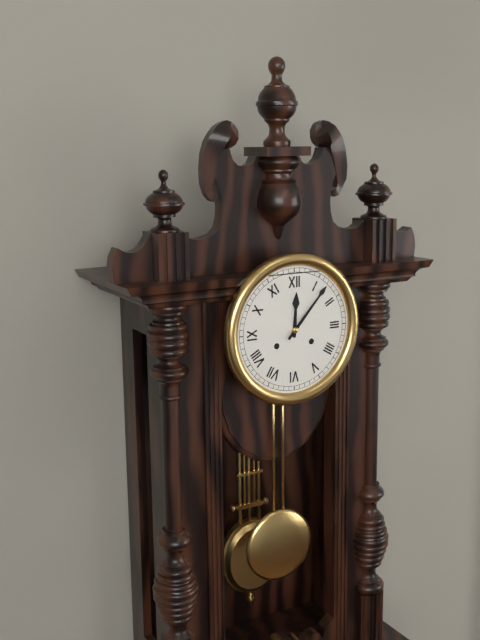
12:07
